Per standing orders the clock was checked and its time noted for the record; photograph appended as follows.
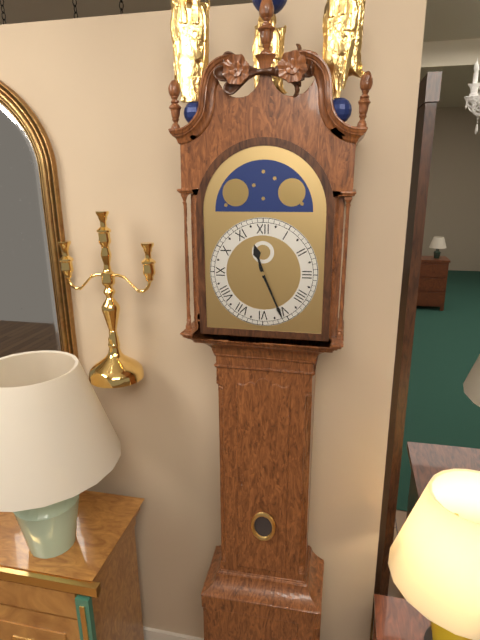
11:26
